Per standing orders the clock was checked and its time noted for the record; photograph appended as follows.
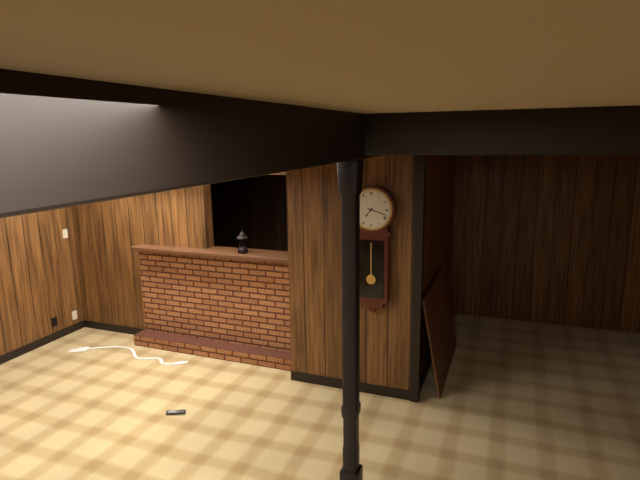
7:18
